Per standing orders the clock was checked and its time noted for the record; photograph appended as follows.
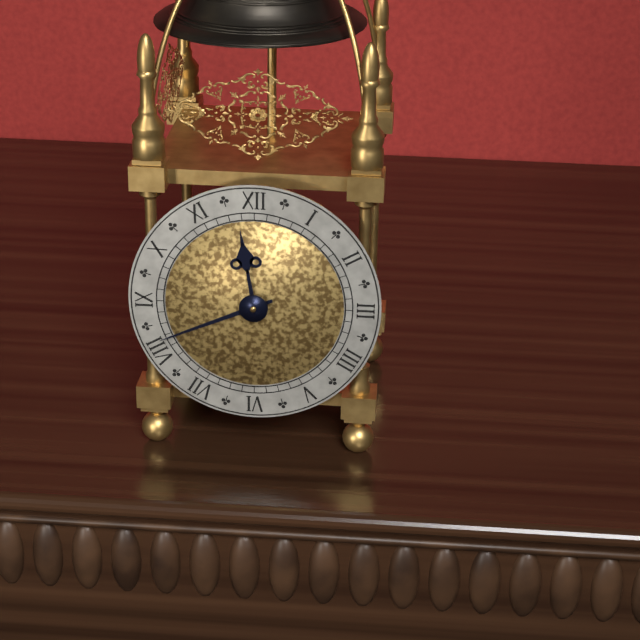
11:41
